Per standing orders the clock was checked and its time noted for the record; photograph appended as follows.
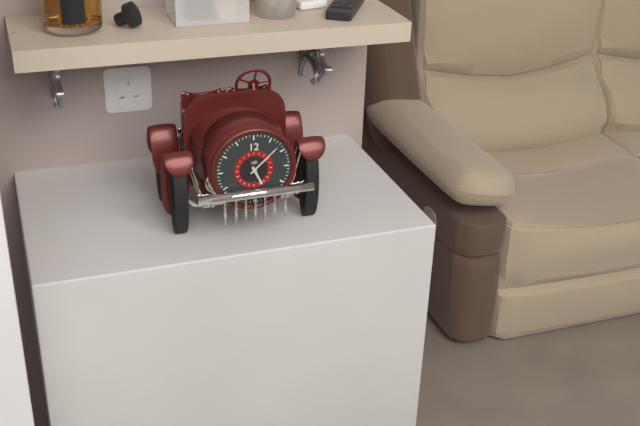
5:08
